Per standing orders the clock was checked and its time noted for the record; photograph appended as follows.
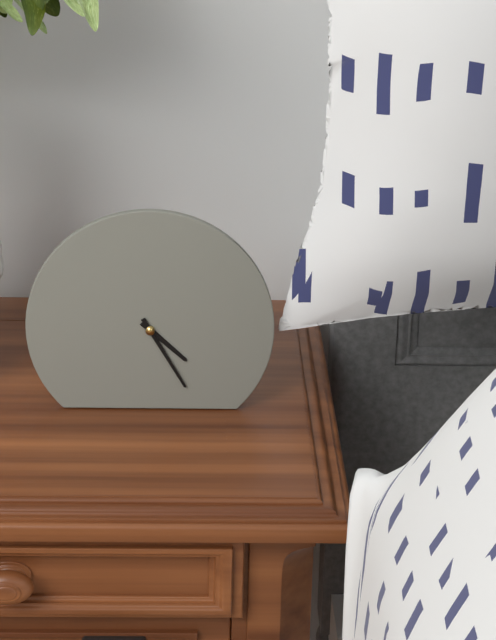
4:25
